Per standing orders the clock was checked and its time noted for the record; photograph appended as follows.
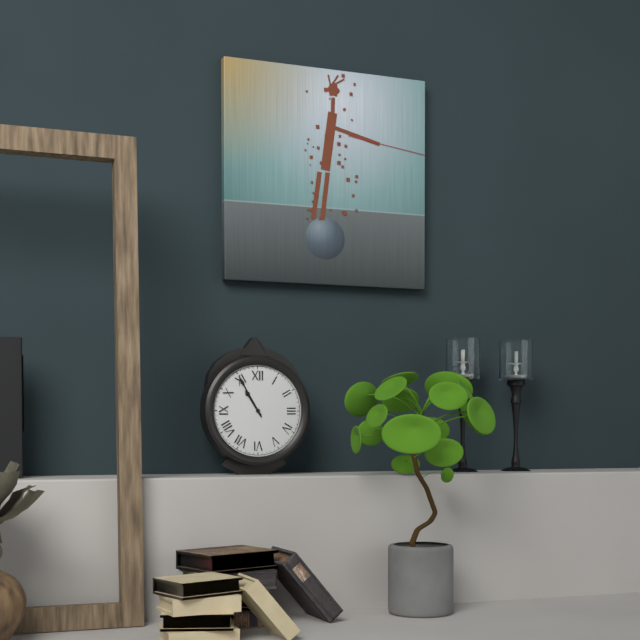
10:55
